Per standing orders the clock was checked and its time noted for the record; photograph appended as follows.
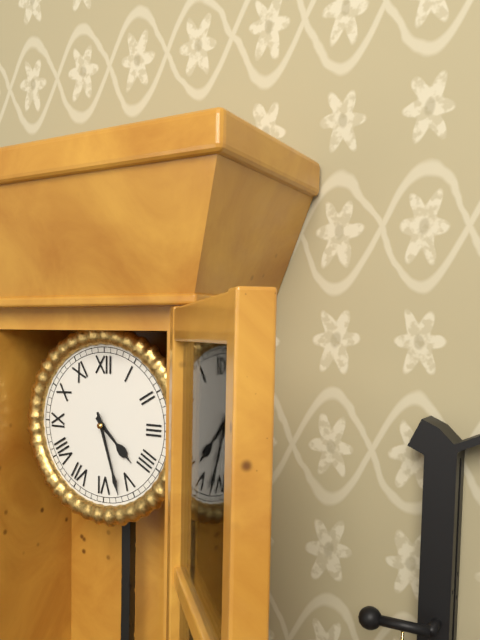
4:27
